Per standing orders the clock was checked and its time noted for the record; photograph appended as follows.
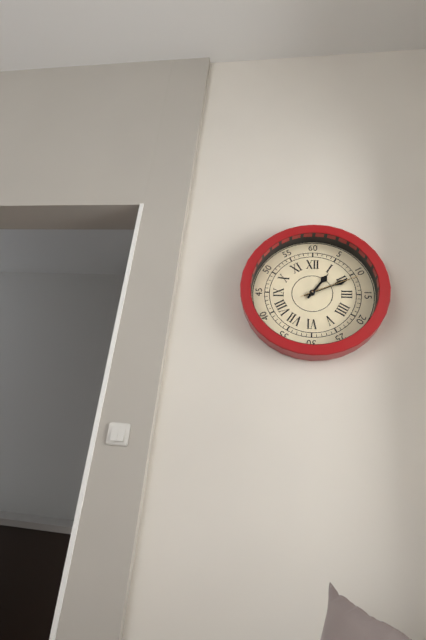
1:11:11
